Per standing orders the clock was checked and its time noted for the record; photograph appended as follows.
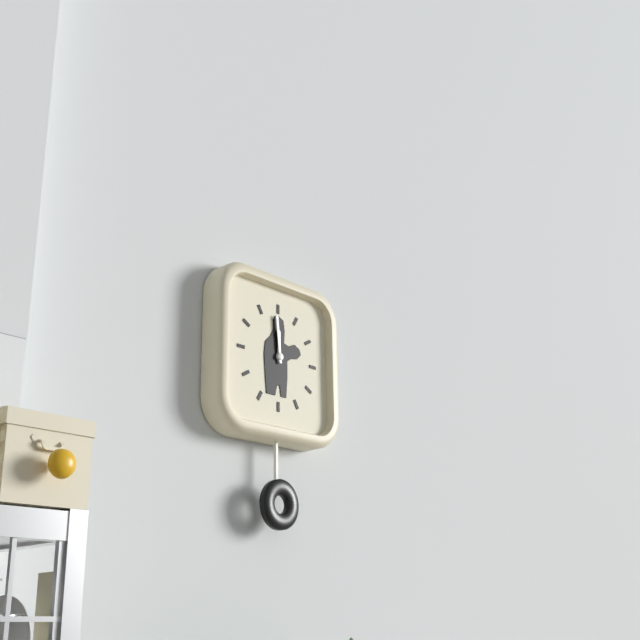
11:59
